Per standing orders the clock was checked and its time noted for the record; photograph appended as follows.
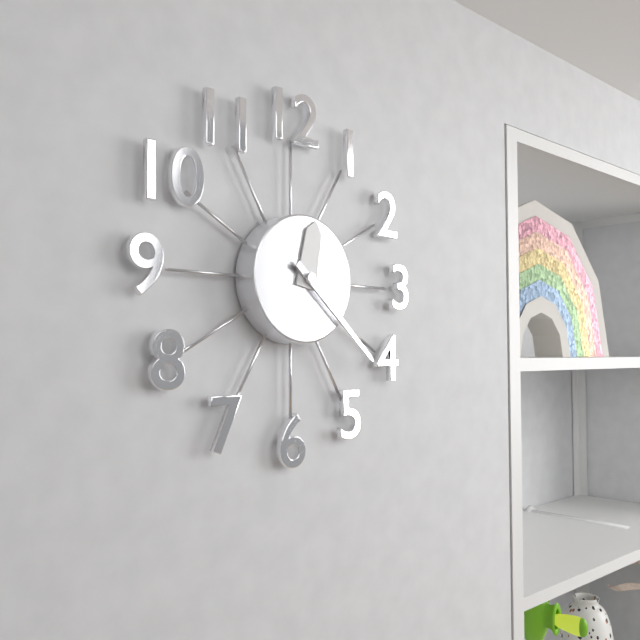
12:22
